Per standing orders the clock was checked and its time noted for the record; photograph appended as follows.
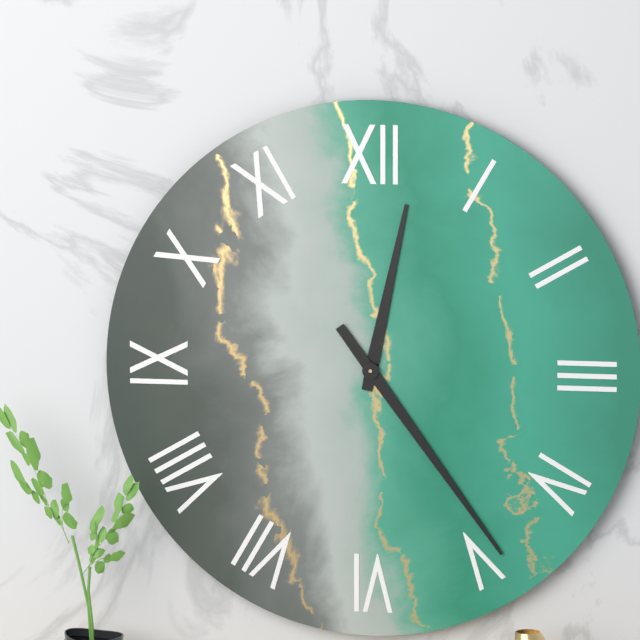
12:24
